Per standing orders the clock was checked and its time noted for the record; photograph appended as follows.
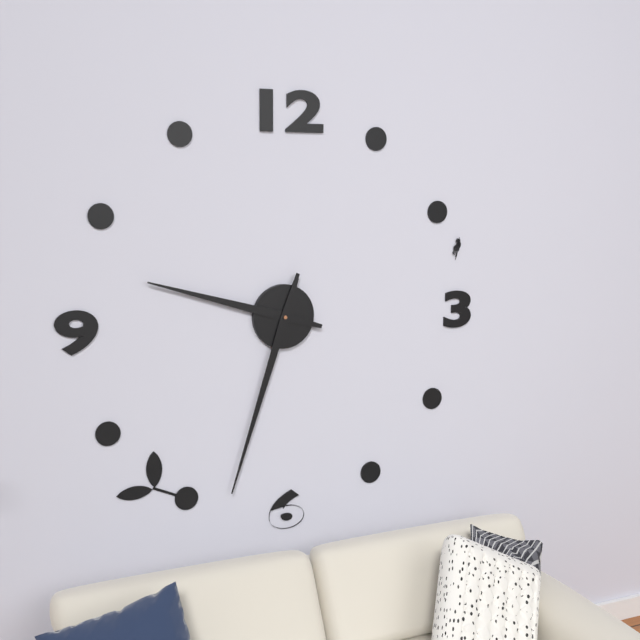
9:33
